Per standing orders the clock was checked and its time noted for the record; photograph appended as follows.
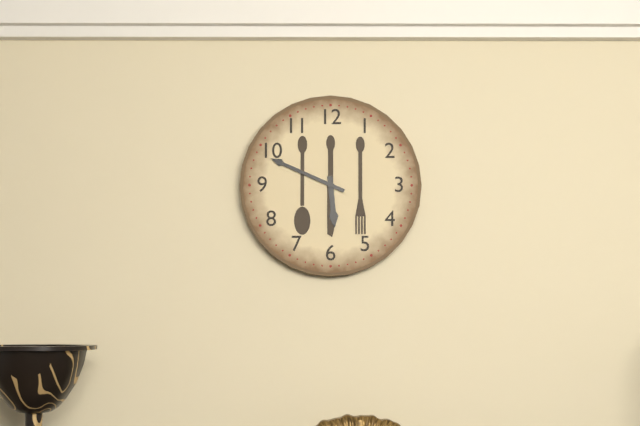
5:49
